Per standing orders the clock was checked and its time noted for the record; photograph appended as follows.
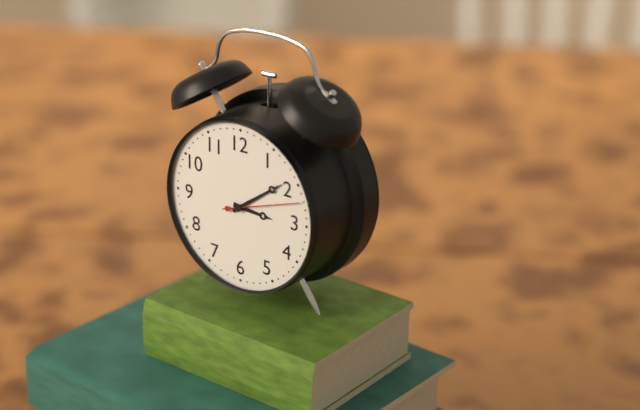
3:09:12
